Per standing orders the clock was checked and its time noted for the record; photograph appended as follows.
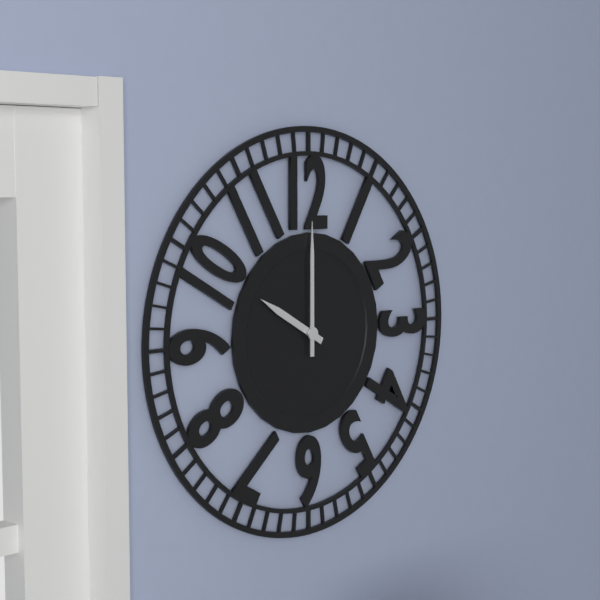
10:00
